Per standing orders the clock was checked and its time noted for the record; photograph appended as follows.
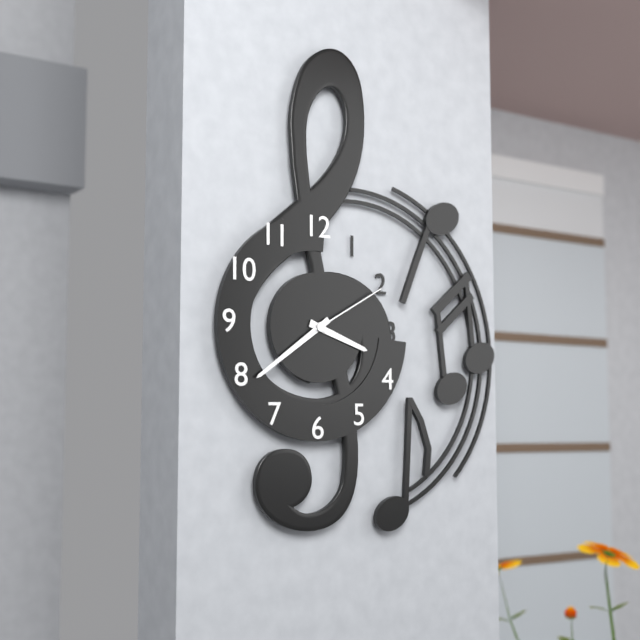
3:39:10
